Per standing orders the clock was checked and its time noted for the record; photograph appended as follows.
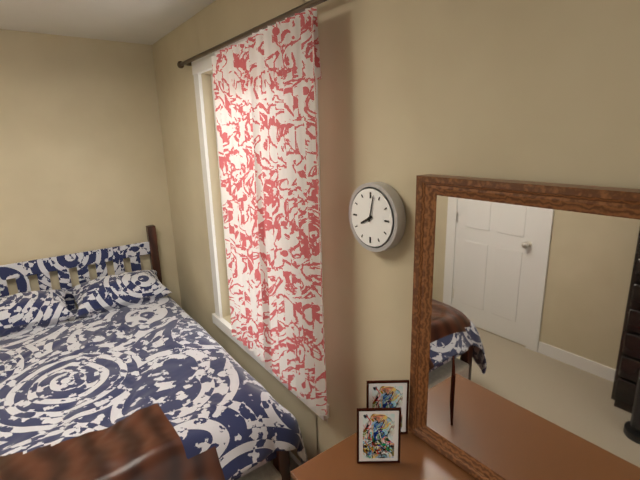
8:02
